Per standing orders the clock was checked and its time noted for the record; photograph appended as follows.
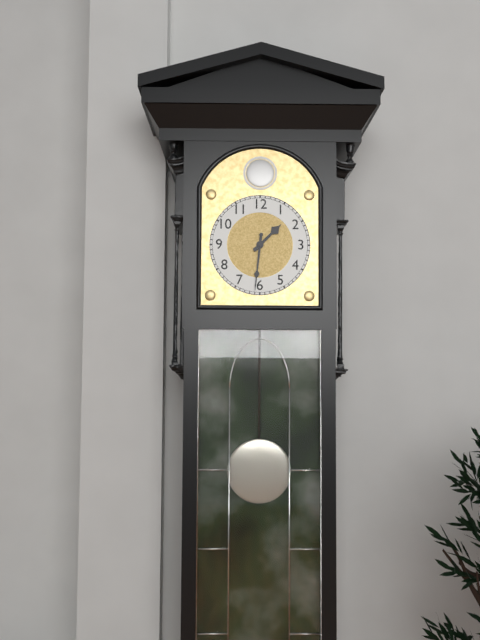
1:31
